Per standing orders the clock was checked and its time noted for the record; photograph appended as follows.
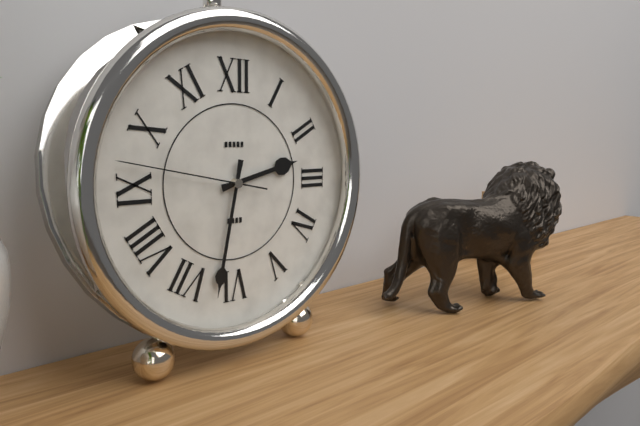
2:32:47
